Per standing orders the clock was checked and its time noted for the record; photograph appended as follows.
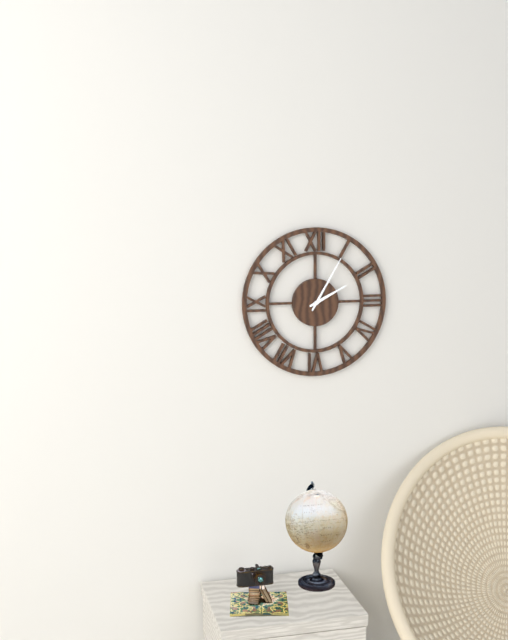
2:05
